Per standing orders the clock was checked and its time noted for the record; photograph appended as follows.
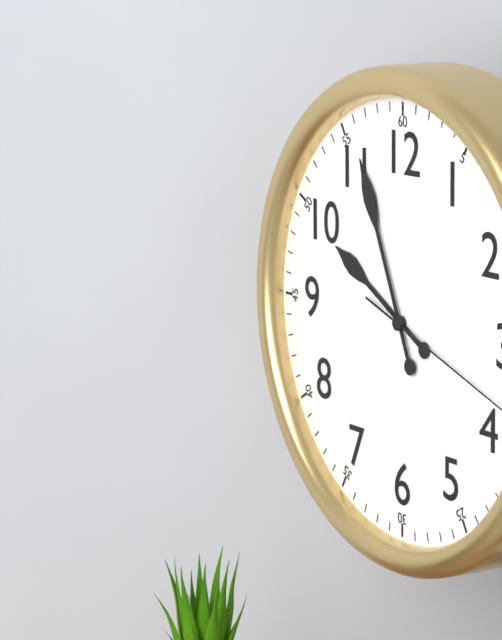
9:56
